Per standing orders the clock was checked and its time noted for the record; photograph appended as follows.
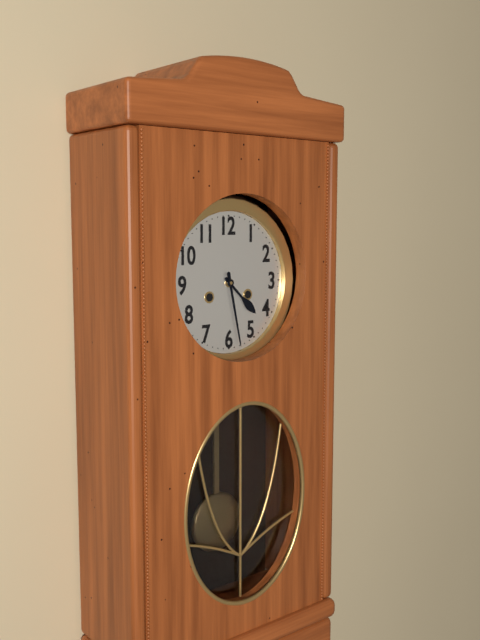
4:28
